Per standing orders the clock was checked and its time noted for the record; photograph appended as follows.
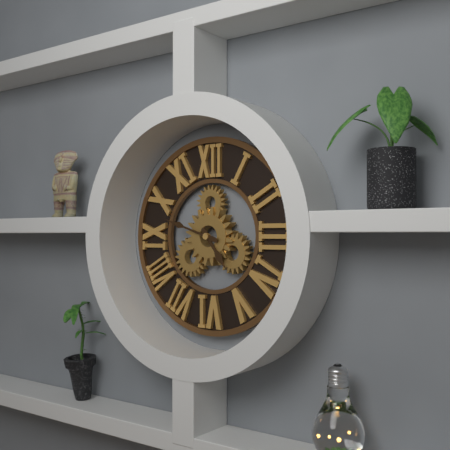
4:48
